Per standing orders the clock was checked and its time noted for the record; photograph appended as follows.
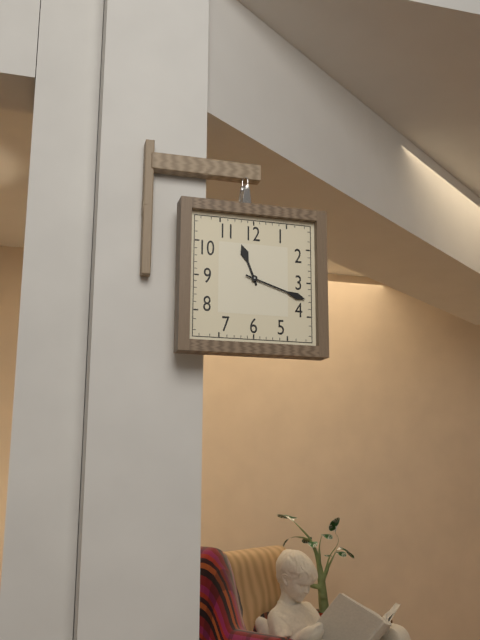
11:18
